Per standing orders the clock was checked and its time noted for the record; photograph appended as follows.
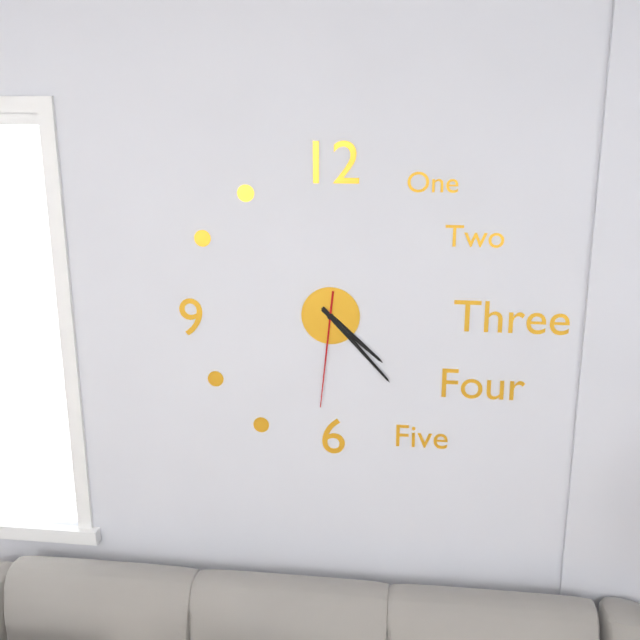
4:23:31
